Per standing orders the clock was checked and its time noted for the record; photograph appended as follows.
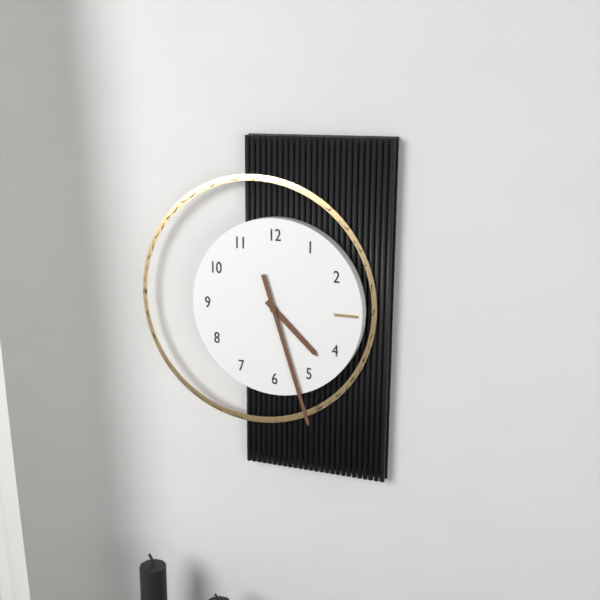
4:27
